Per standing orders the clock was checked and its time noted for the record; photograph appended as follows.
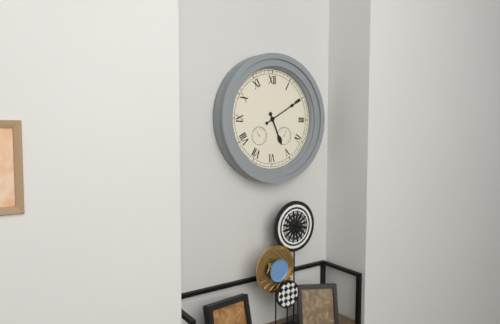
5:10
